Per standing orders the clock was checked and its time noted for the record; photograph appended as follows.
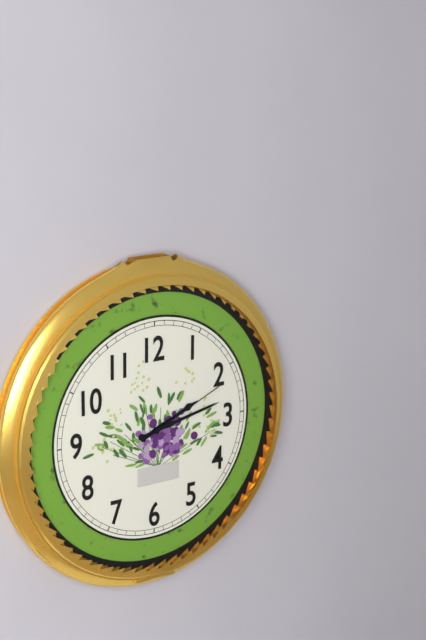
2:13:11
